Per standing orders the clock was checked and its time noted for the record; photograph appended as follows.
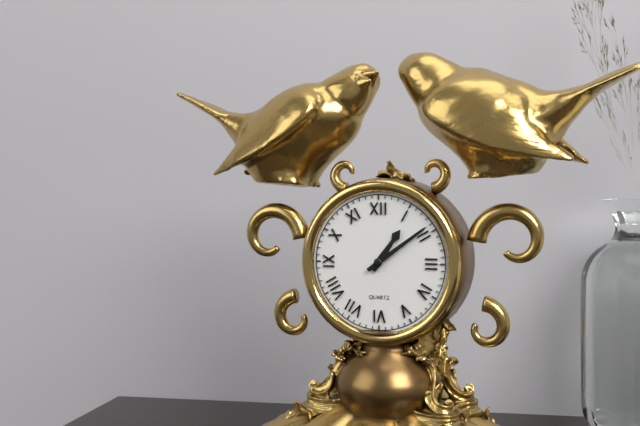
1:09
